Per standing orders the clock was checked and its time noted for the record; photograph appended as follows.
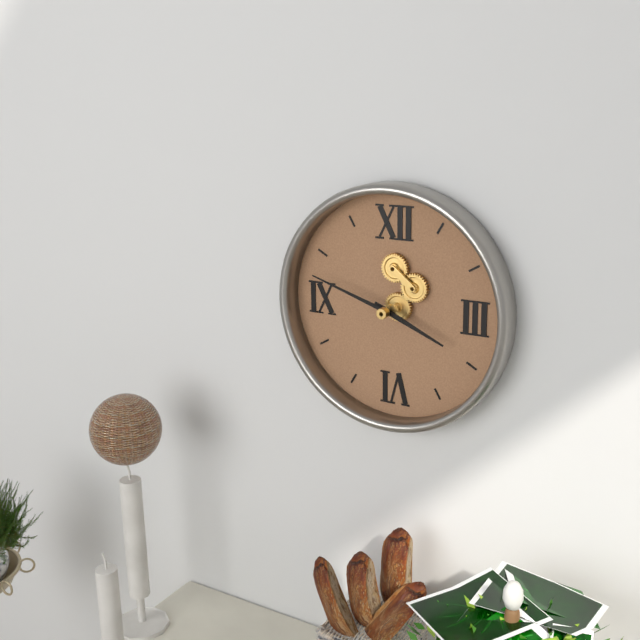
3:48
